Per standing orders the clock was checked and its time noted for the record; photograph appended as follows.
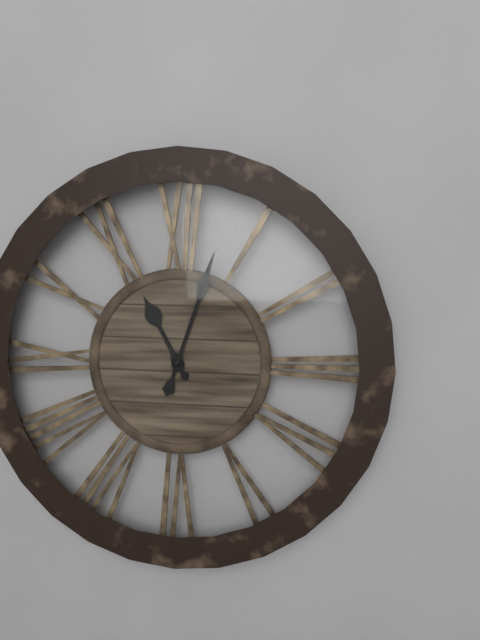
11:03
